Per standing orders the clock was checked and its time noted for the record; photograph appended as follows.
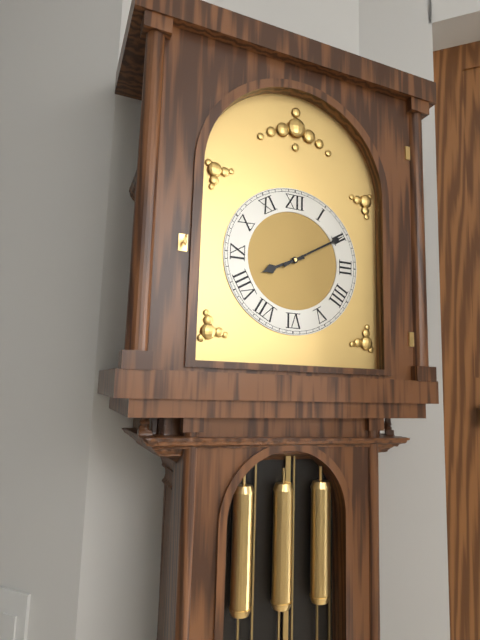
8:10
